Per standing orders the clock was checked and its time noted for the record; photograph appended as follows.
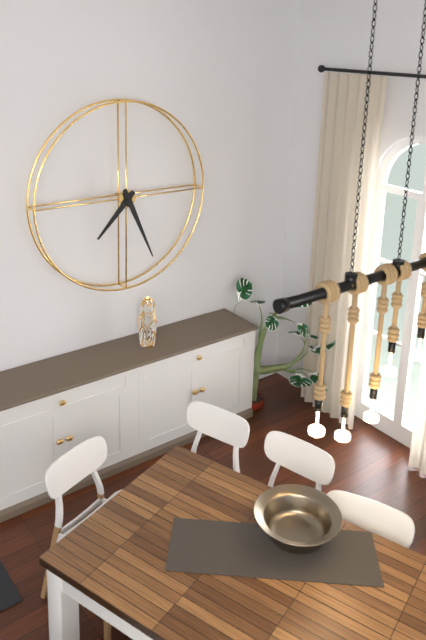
7:26
